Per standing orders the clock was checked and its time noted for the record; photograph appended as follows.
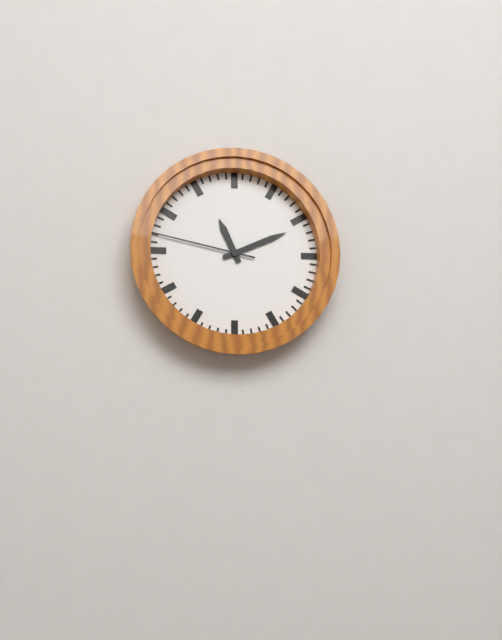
11:11:47
